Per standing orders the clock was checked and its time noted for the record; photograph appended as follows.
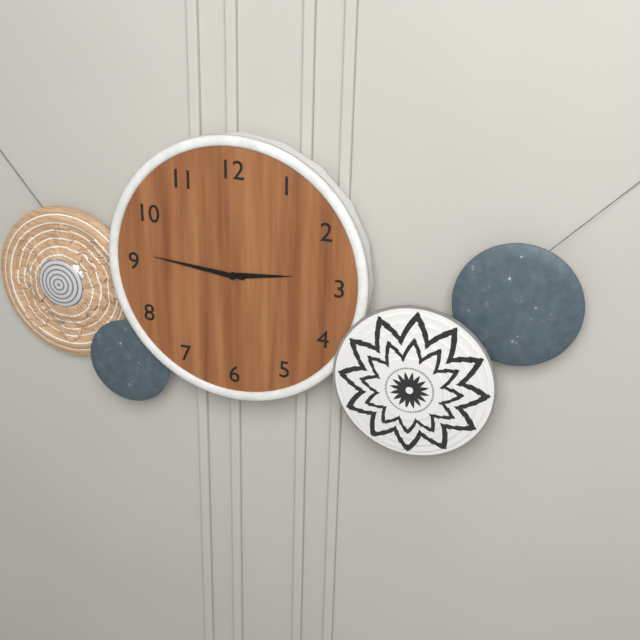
2:46
